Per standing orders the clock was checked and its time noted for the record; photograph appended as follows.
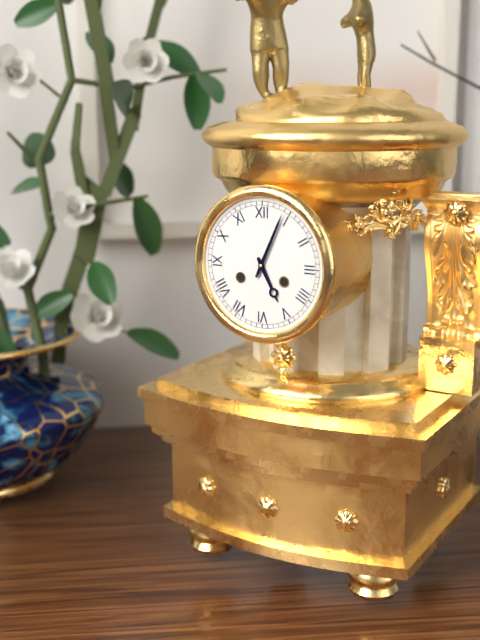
5:04
